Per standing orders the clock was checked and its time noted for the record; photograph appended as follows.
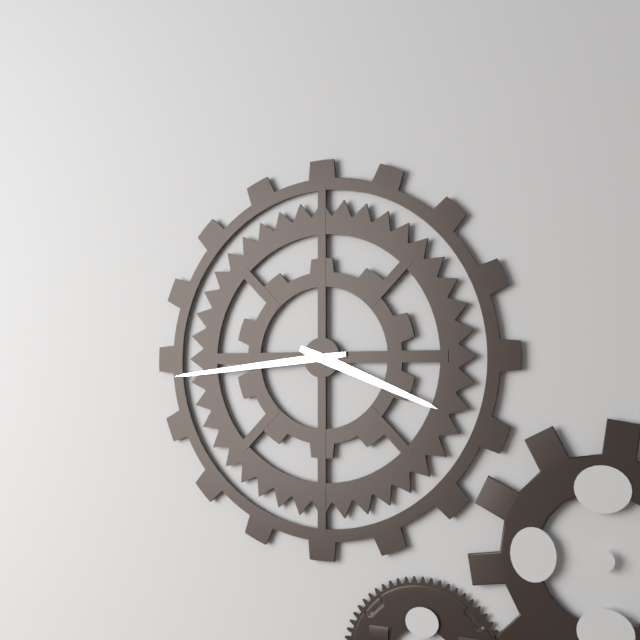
3:44
